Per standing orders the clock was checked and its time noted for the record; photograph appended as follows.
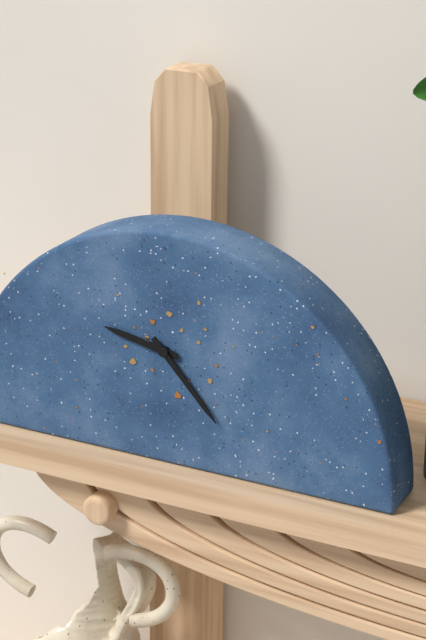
9:23
